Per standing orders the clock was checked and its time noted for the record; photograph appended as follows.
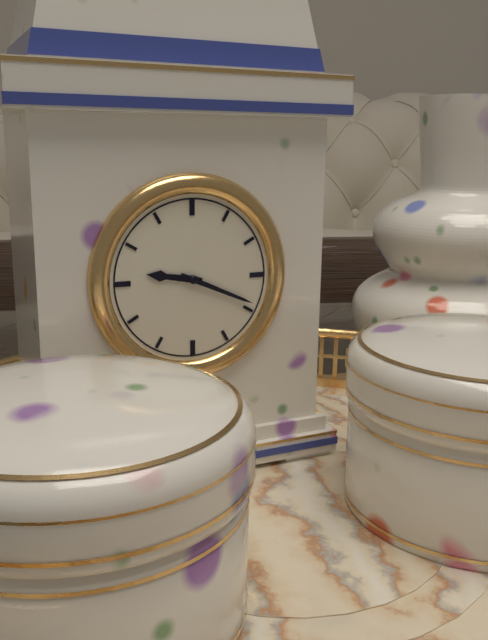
9:19
